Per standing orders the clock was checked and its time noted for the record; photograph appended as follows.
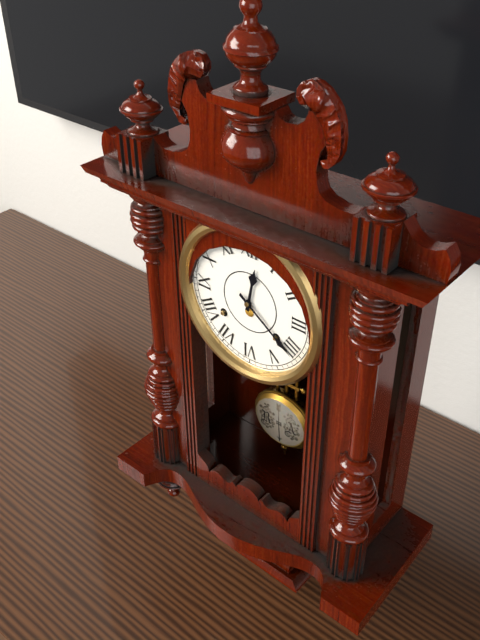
12:21
